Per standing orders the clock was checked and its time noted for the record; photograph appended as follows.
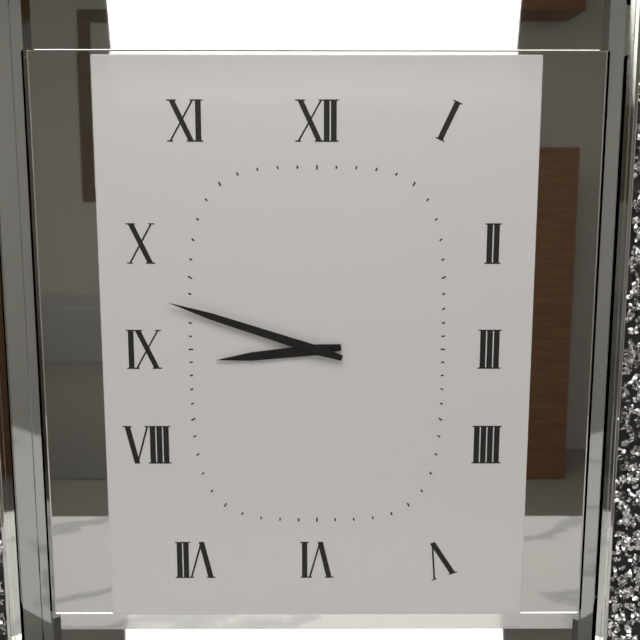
8:48
